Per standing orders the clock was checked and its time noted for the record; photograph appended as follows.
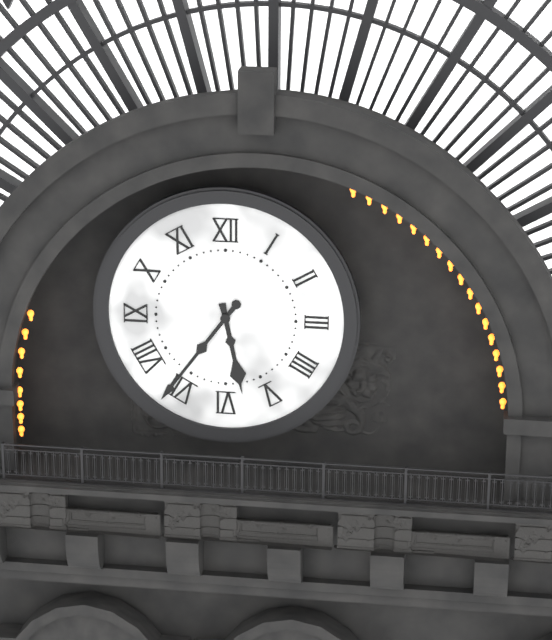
5:36
